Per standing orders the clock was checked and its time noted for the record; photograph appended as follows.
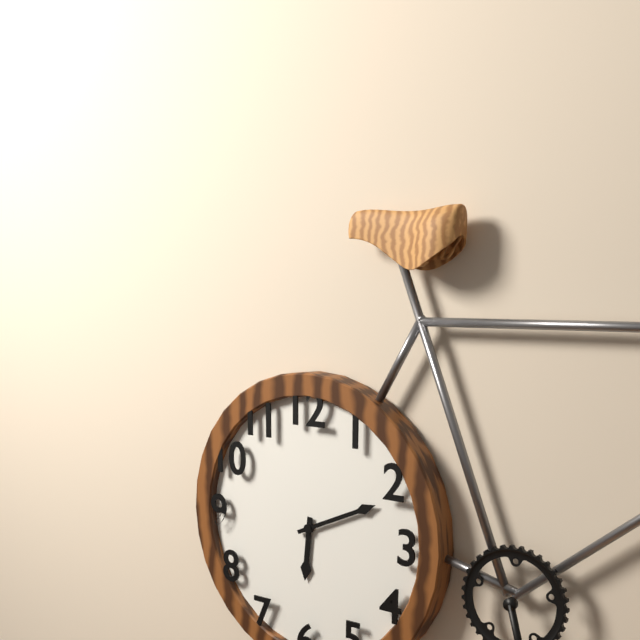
6:11
